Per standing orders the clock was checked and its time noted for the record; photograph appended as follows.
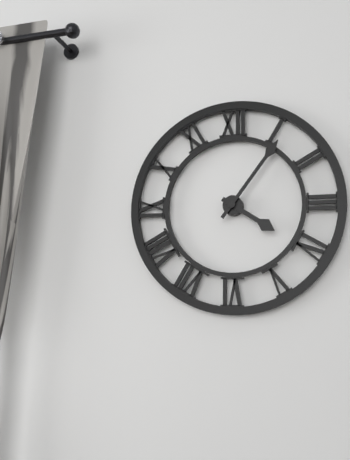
4:06
